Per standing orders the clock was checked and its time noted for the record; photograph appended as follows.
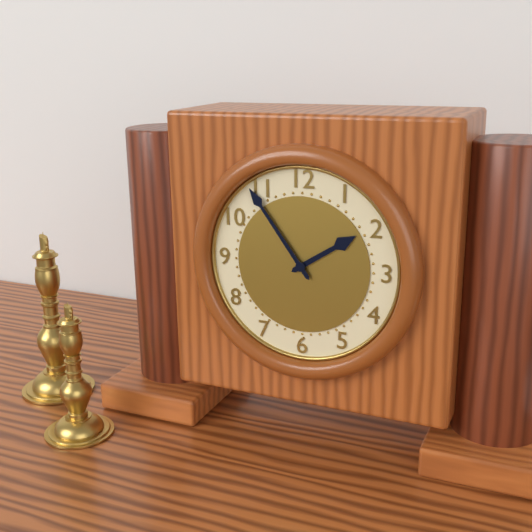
1:54
